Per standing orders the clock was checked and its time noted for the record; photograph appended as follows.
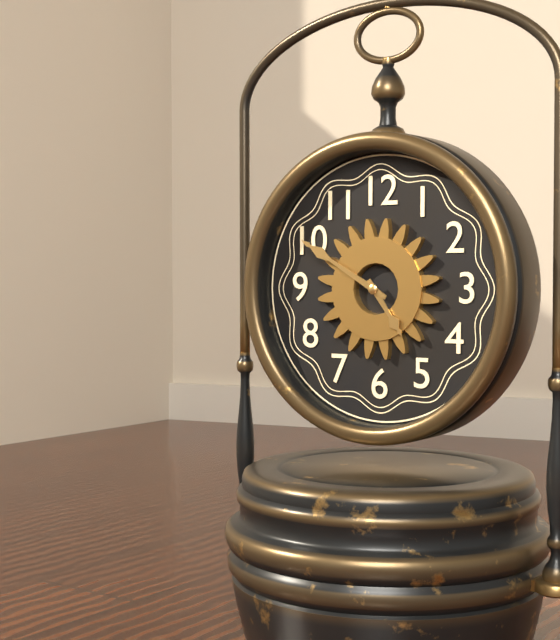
4:50
